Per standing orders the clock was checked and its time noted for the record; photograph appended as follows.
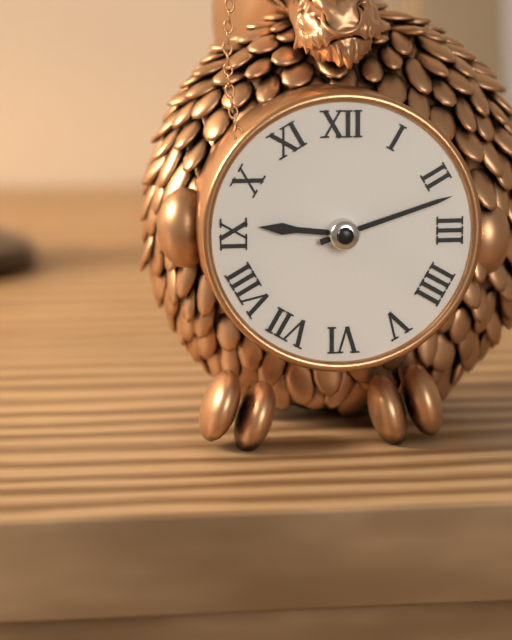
9:12
